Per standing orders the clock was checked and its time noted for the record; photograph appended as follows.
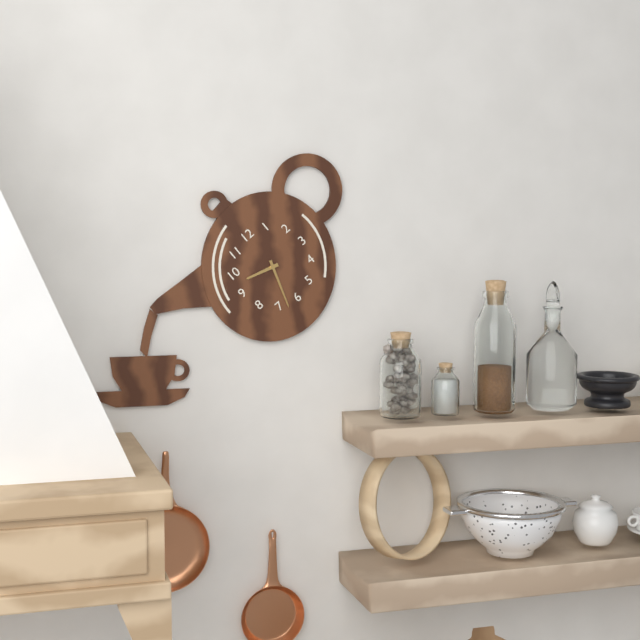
9:33
